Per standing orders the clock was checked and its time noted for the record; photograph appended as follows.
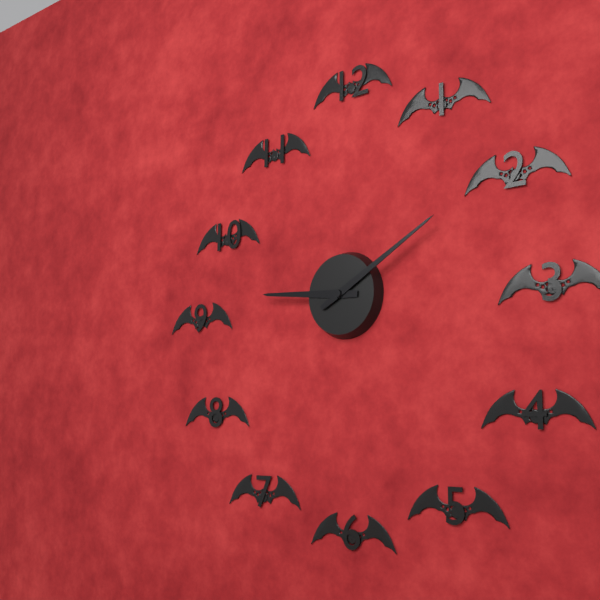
9:10
